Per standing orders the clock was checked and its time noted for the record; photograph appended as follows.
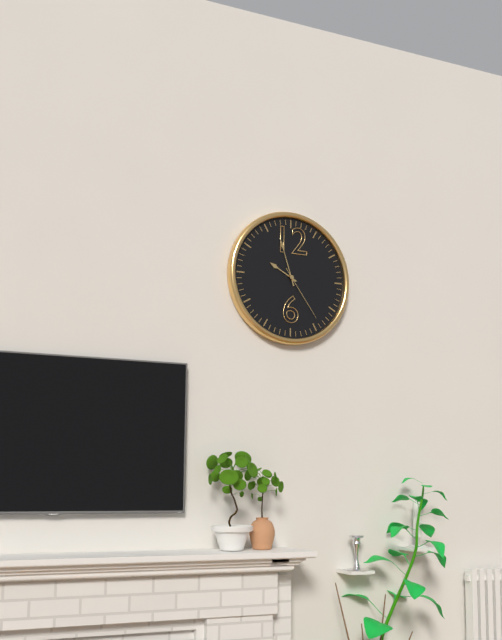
9:57:24
